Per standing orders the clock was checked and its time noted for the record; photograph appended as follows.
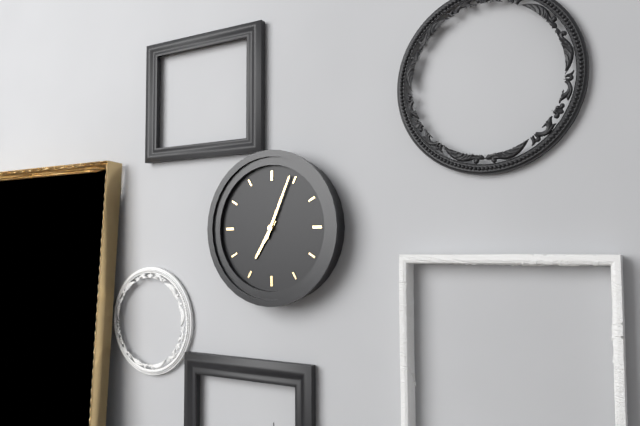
7:04
